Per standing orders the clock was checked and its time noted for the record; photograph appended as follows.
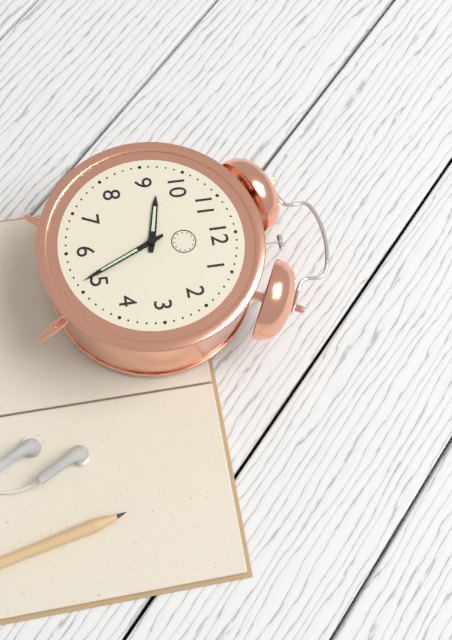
9:26
